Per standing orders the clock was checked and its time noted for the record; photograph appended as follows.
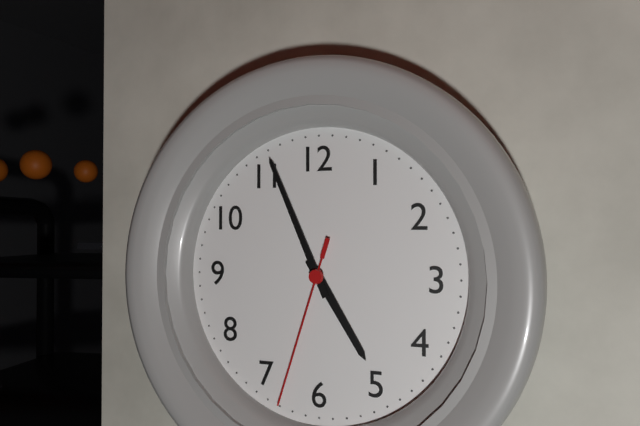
4:56:33
